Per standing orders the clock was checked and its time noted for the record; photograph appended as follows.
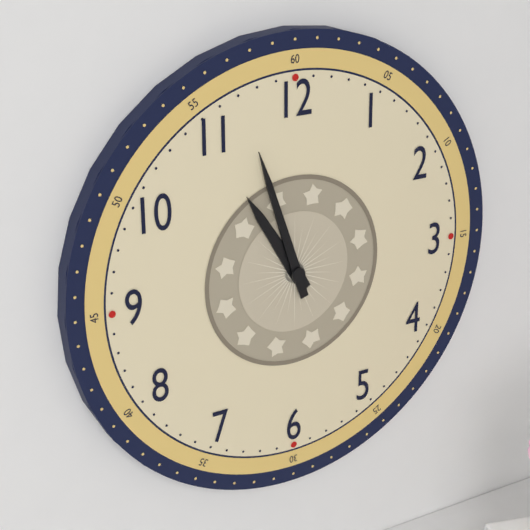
10:57
